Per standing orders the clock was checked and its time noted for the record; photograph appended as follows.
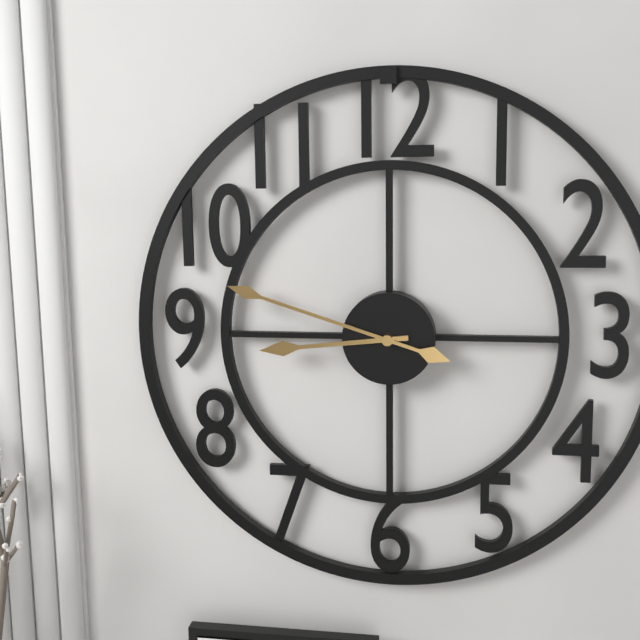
8:48
